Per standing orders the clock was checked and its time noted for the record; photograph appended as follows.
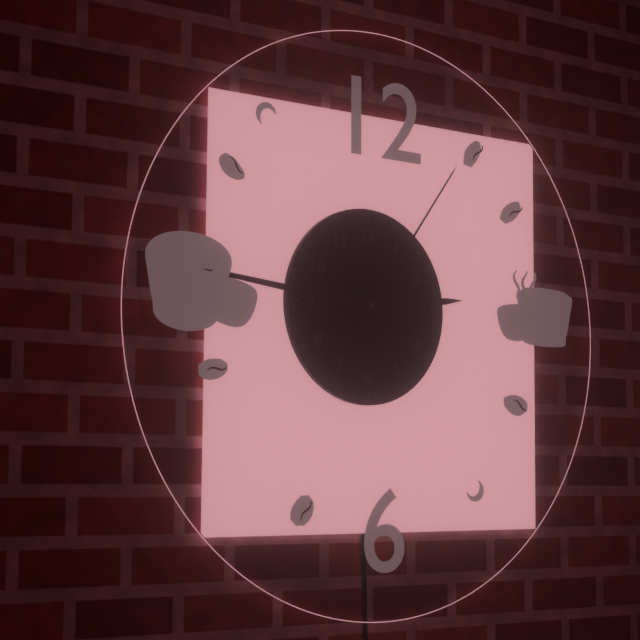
2:46:06
